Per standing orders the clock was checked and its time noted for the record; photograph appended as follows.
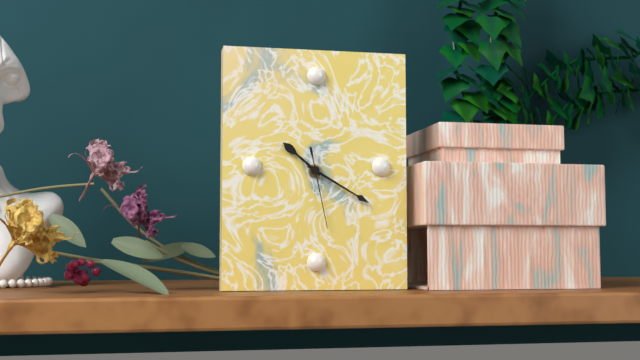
10:20:28
